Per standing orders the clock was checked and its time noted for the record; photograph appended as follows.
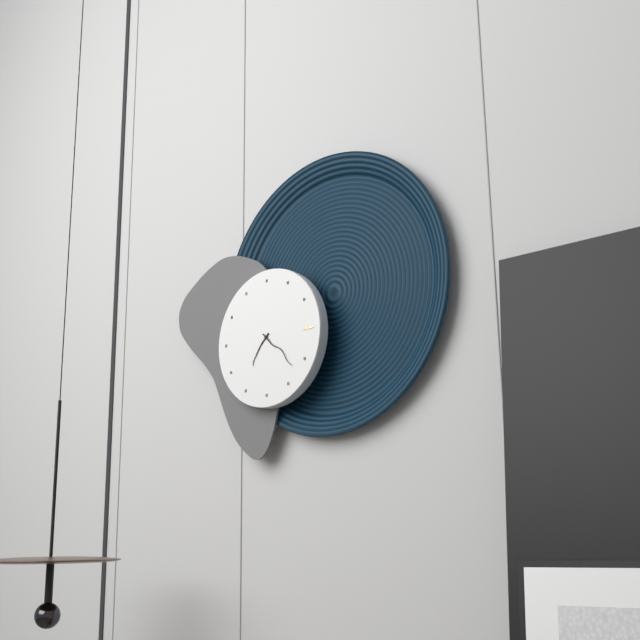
7:22
